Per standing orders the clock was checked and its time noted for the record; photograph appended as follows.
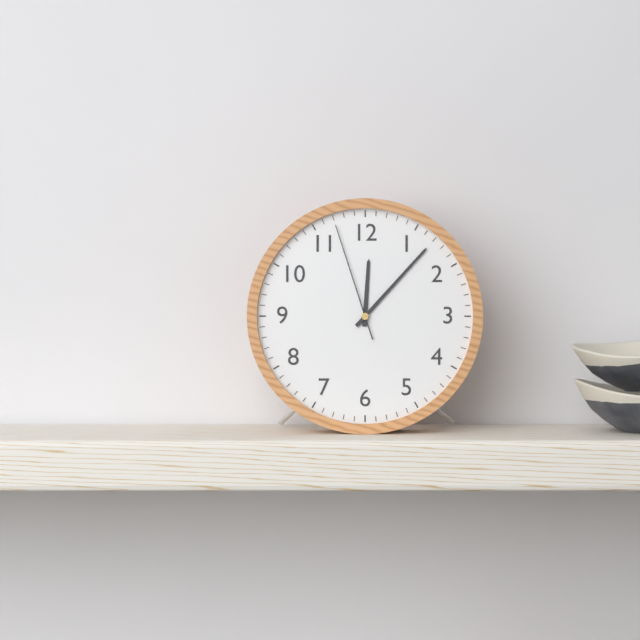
12:07:57
